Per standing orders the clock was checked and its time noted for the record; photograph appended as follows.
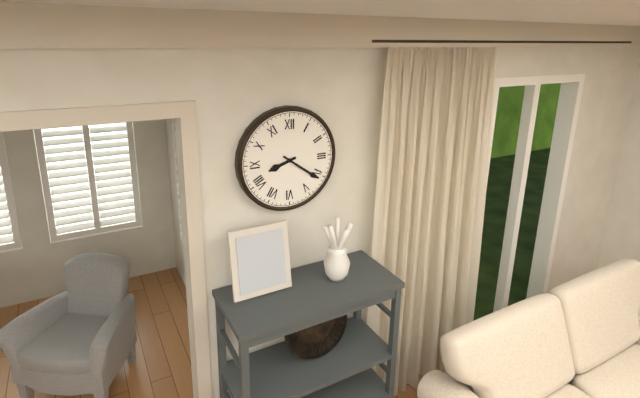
8:21
